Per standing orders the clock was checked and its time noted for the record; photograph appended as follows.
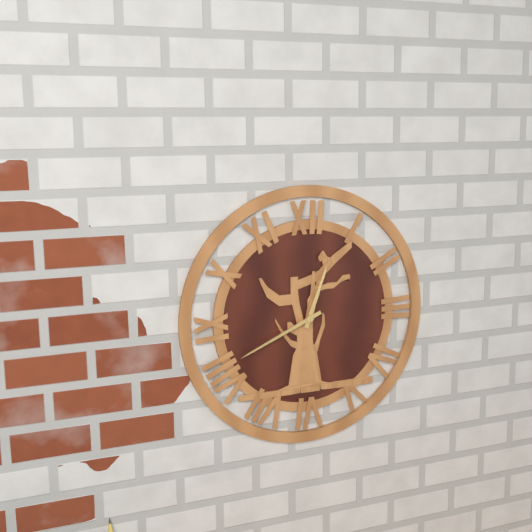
12:41
